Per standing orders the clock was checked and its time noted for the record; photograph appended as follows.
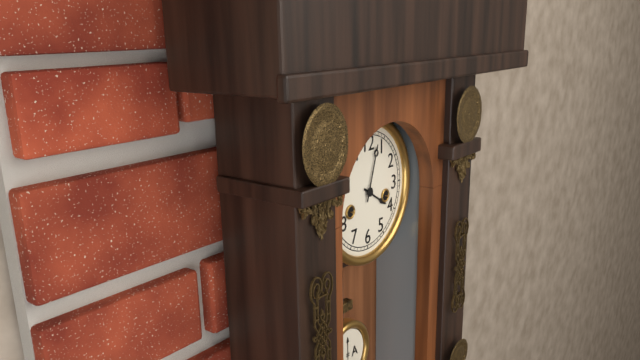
4:03
